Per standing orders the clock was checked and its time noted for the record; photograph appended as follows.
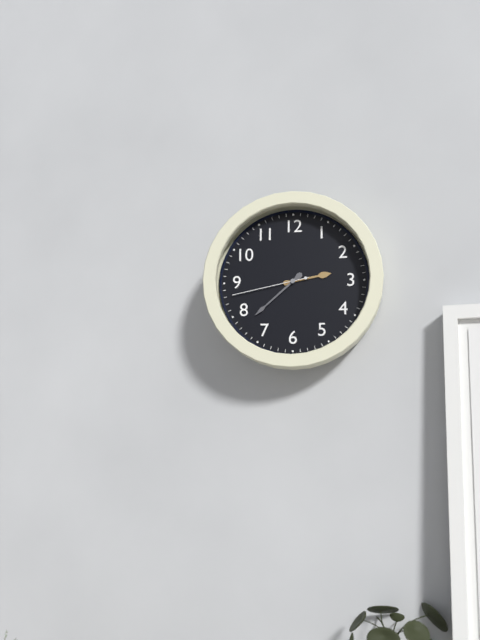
2:38:43
